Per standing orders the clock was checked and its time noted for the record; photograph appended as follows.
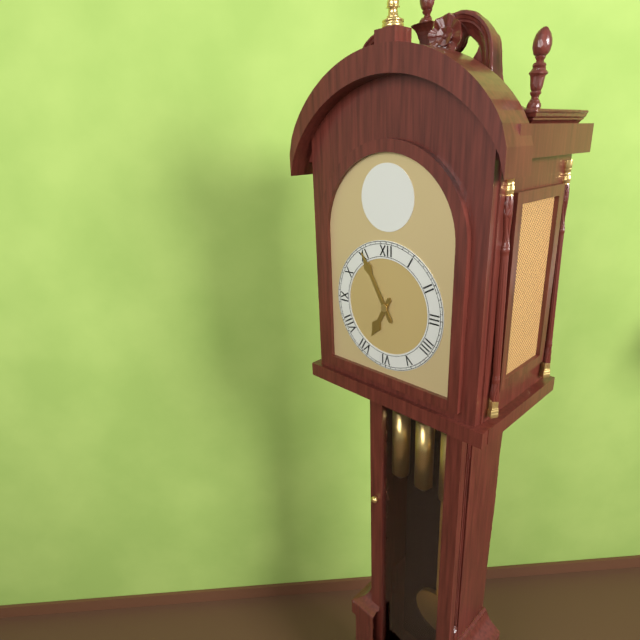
6:55
